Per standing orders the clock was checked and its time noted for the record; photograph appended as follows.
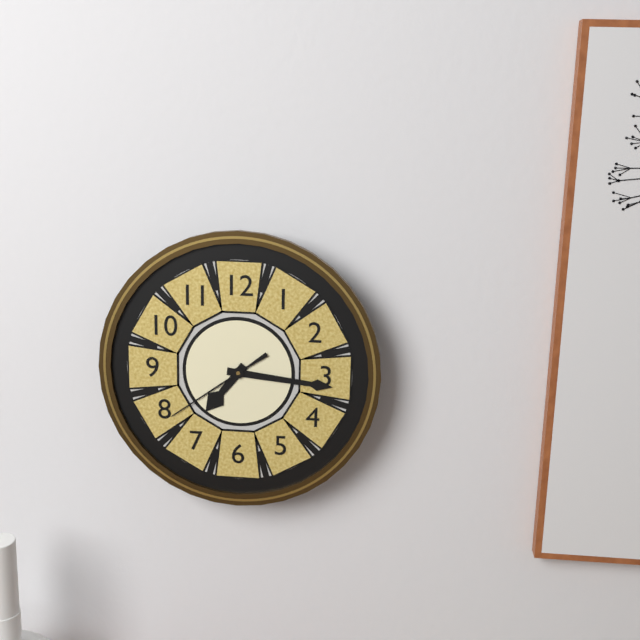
7:16:39
